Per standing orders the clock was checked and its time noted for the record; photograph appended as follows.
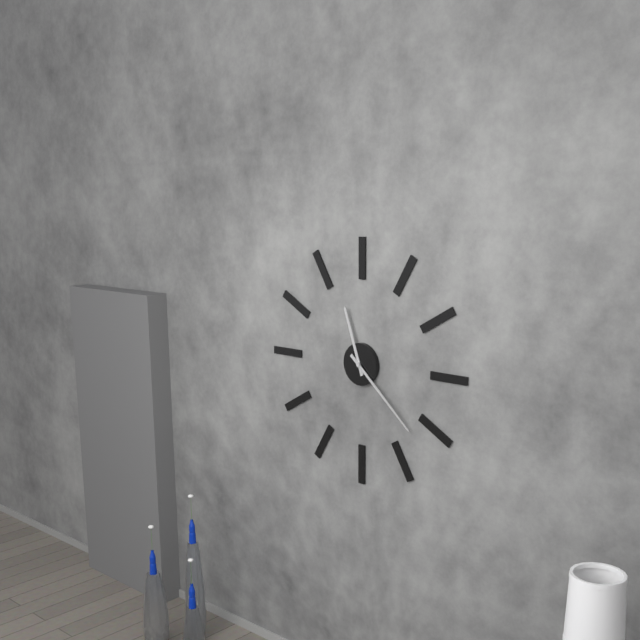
11:22
